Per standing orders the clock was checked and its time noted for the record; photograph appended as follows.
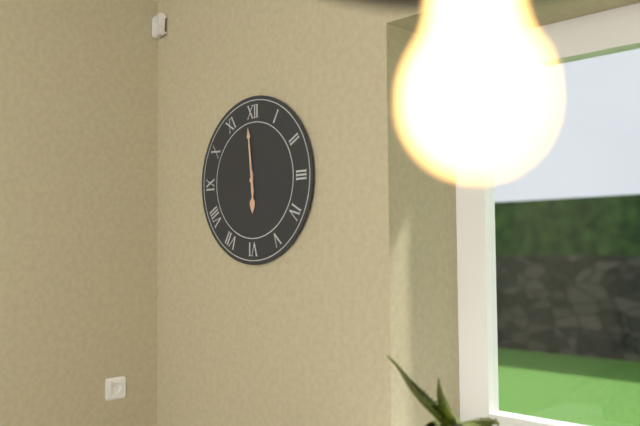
5:59
